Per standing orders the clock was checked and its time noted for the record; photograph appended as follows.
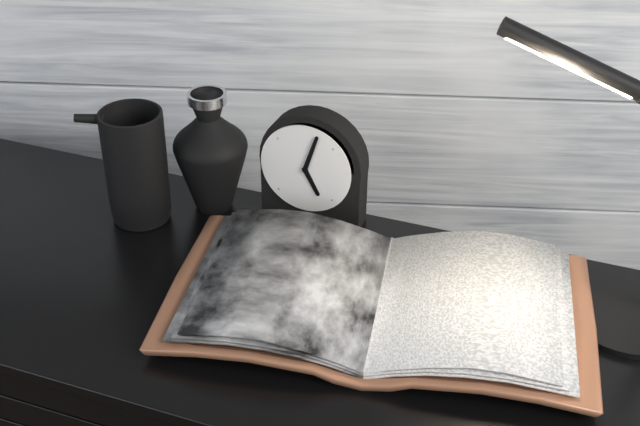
5:03
